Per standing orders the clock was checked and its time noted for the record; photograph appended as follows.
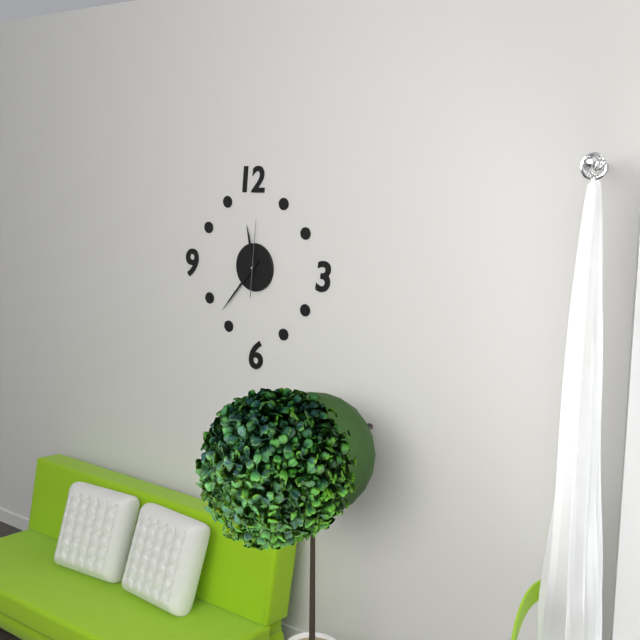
11:37:01
